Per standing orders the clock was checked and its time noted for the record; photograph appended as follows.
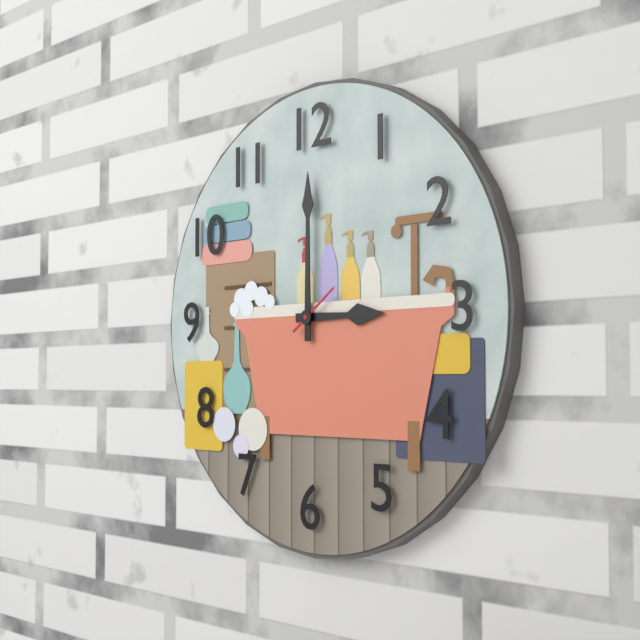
3:00:09
